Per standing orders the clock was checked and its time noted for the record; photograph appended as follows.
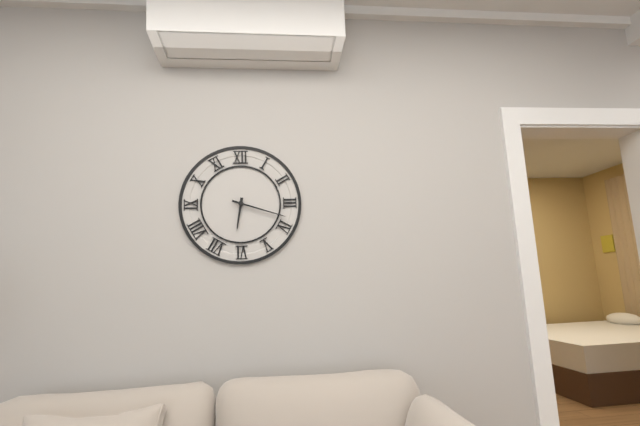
6:18
